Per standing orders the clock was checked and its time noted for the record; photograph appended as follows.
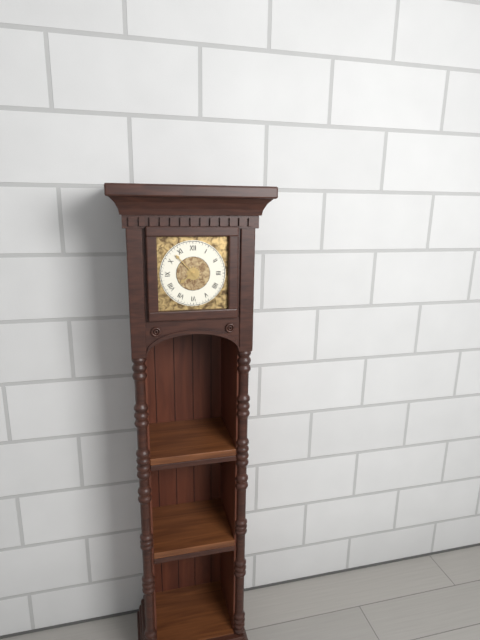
7:53
